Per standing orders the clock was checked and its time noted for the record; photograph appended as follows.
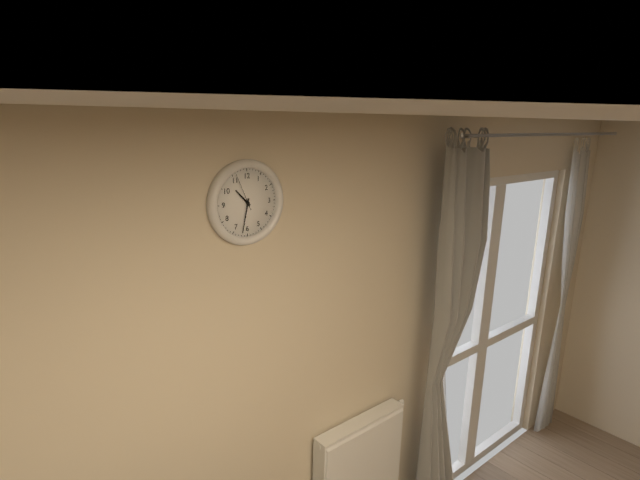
10:32
